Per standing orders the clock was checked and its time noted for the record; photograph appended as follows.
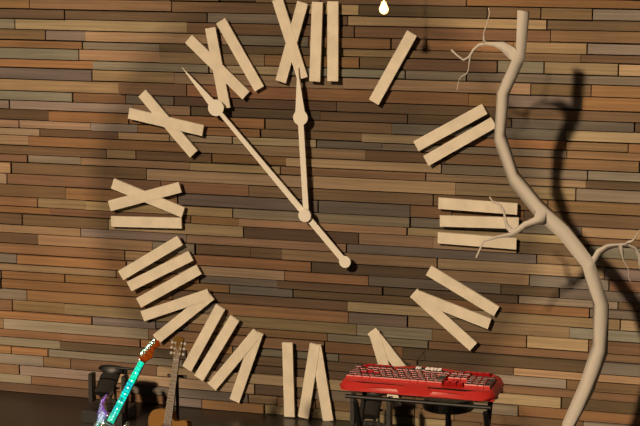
11:53
